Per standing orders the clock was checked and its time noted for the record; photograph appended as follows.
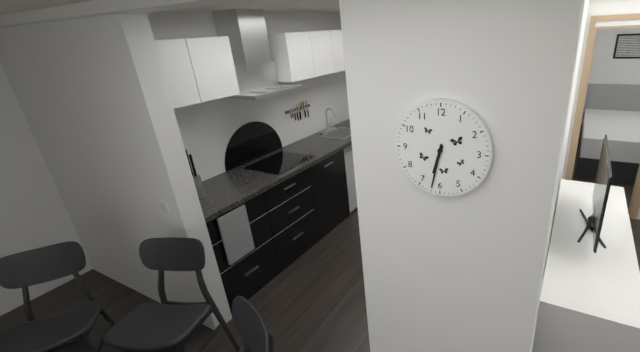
6:32
